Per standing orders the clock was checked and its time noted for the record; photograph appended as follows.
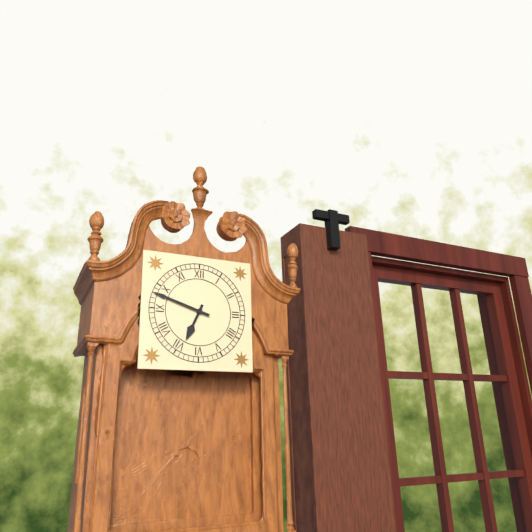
6:48
